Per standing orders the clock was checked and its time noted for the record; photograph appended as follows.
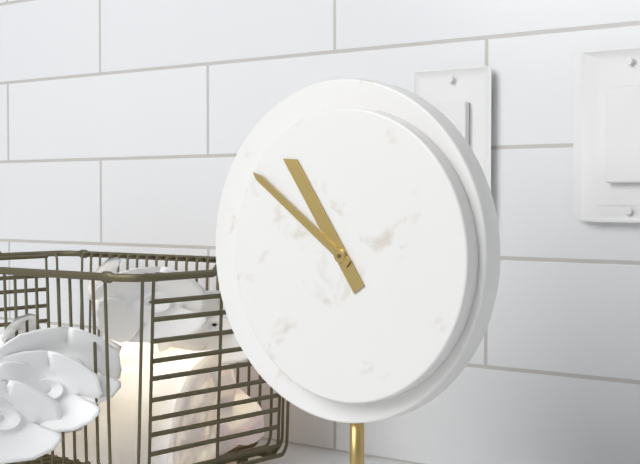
10:51
